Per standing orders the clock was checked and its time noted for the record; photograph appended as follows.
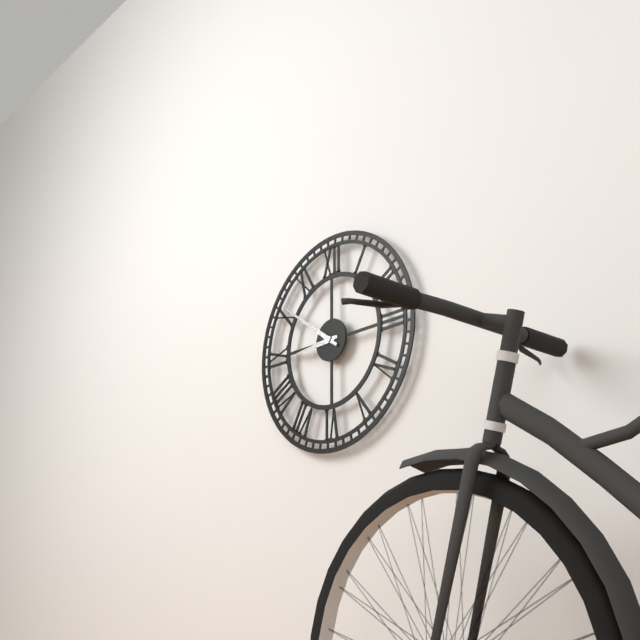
8:51
